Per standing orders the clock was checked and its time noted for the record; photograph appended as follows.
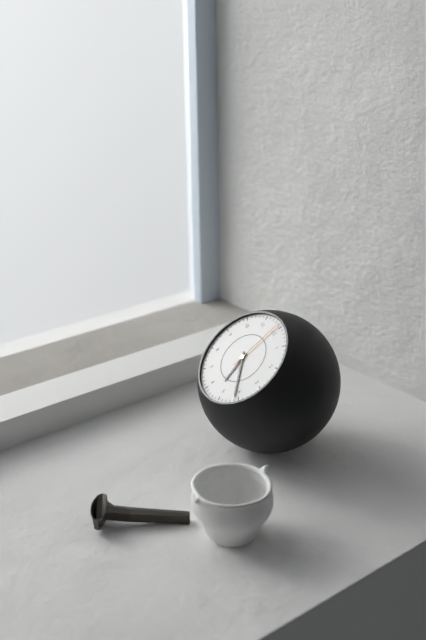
5:21:59
